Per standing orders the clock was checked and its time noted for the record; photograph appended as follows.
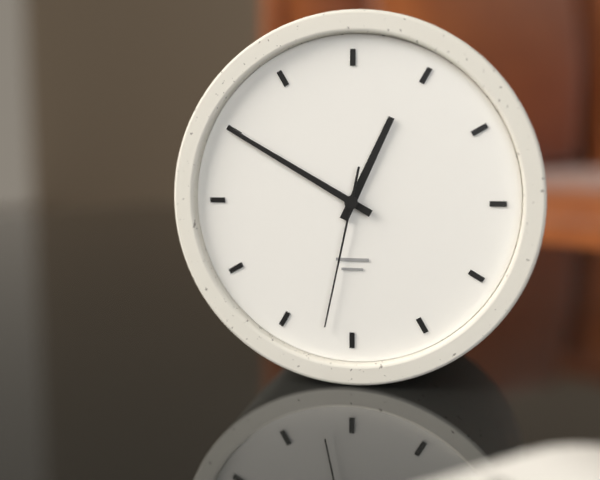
12:50:32
